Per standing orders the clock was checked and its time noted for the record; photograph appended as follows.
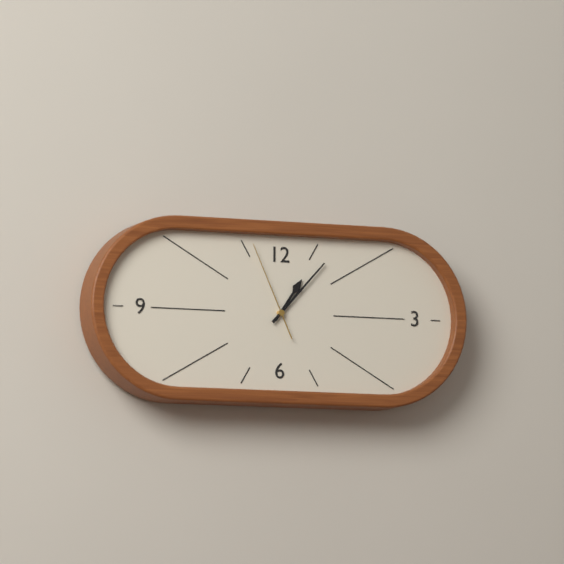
1:07:56
